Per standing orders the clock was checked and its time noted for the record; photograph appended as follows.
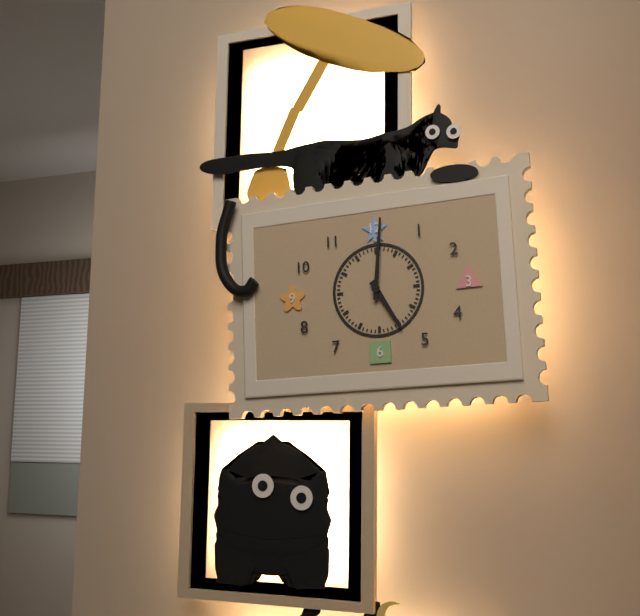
5:01
